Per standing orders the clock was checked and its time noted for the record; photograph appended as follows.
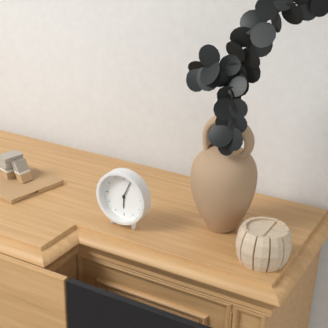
6:04
